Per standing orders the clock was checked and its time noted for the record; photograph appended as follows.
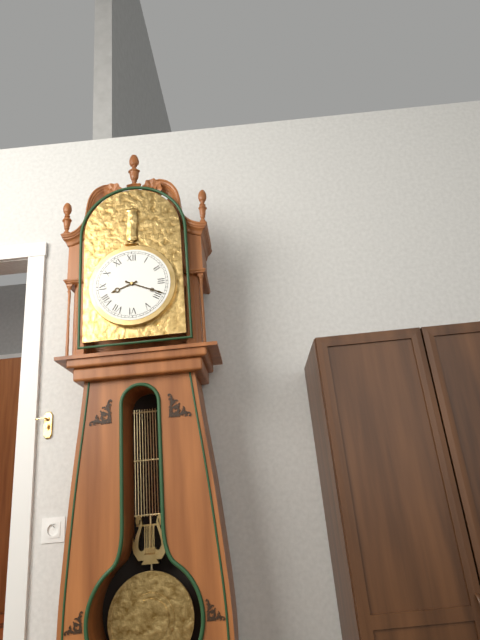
8:19
